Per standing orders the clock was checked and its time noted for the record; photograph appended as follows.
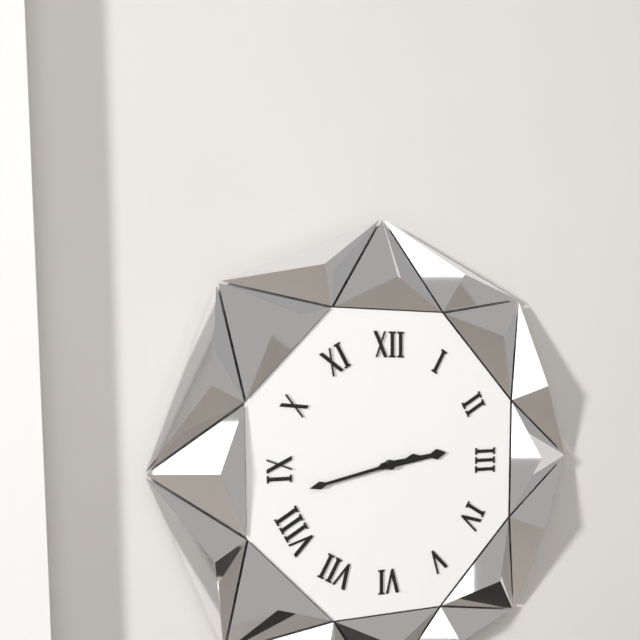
2:43
